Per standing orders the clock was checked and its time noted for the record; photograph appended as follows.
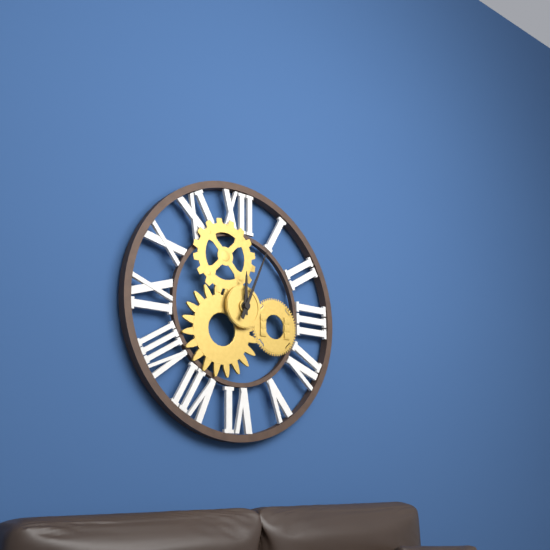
12:04
